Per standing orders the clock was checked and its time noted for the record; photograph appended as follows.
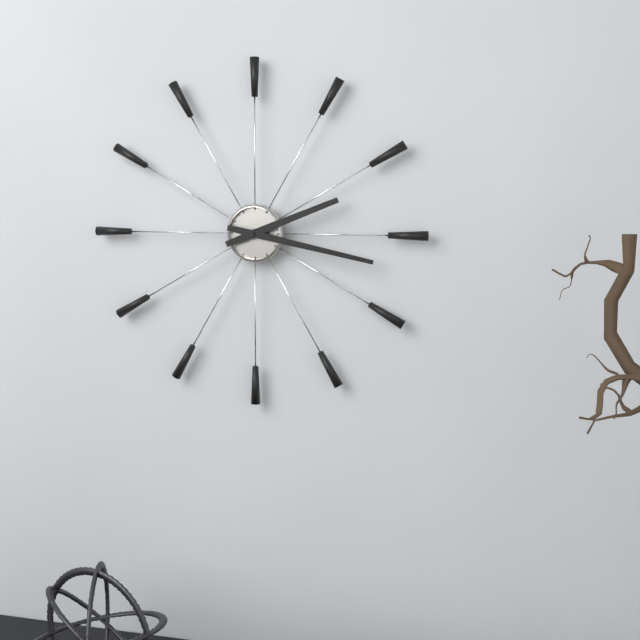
2:17
